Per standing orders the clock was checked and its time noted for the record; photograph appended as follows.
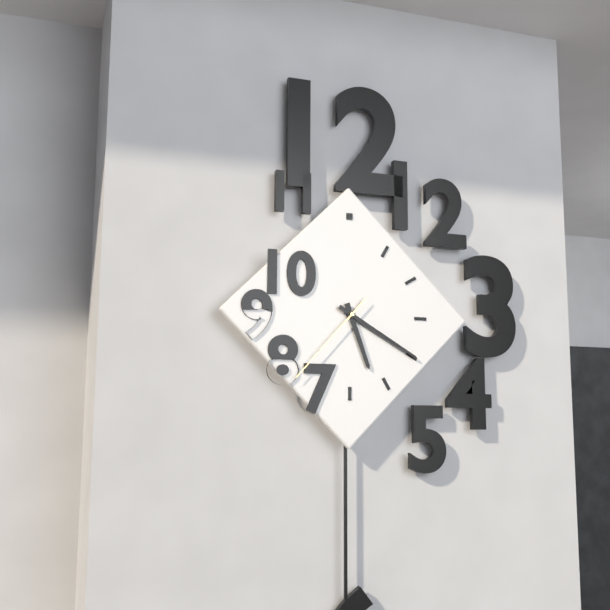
5:20:37
